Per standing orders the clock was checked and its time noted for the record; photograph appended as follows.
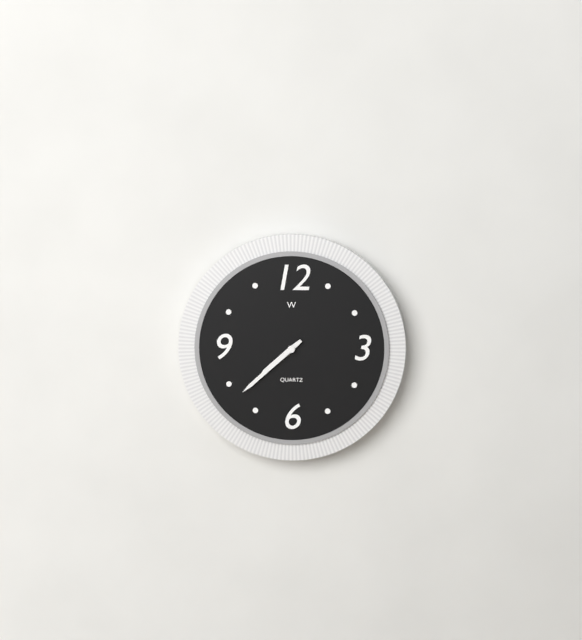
7:38
